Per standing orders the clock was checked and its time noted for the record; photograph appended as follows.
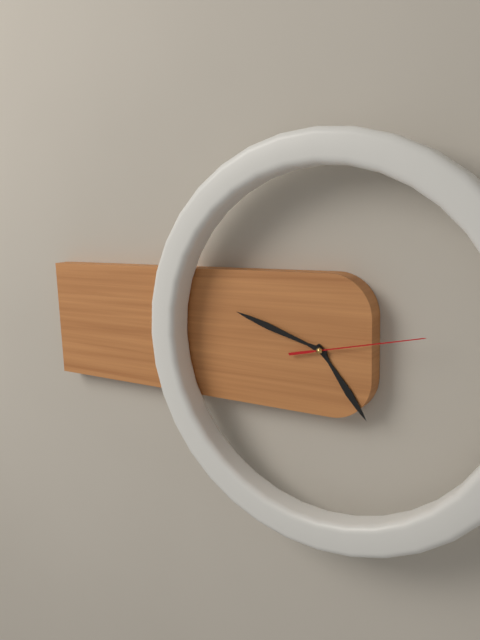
4:48:13
